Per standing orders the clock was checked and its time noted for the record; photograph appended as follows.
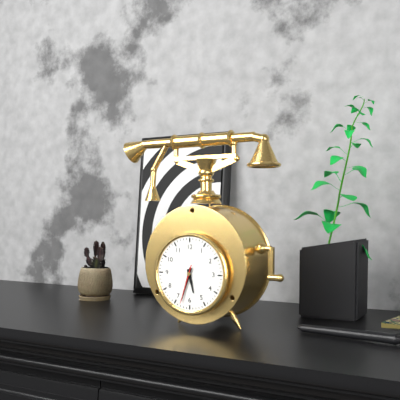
5:33
